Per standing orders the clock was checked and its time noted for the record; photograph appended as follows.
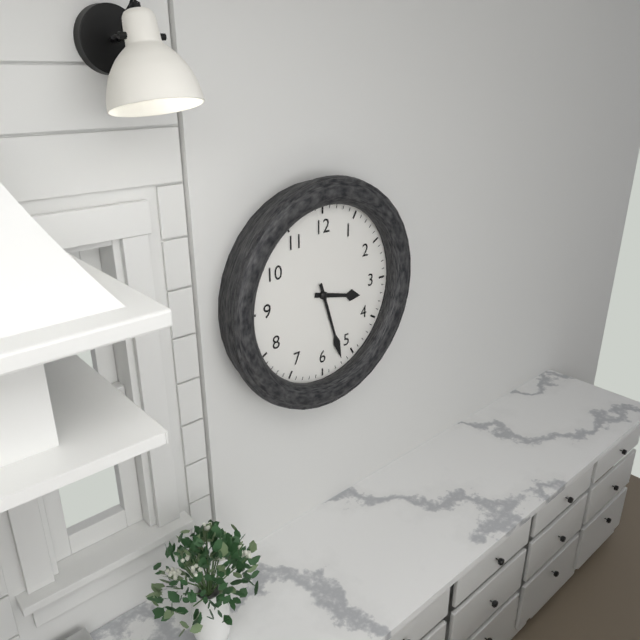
3:27
